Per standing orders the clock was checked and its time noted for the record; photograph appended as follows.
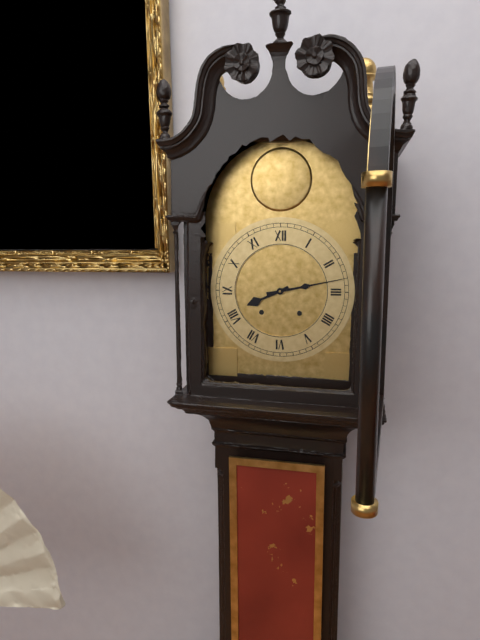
8:13
